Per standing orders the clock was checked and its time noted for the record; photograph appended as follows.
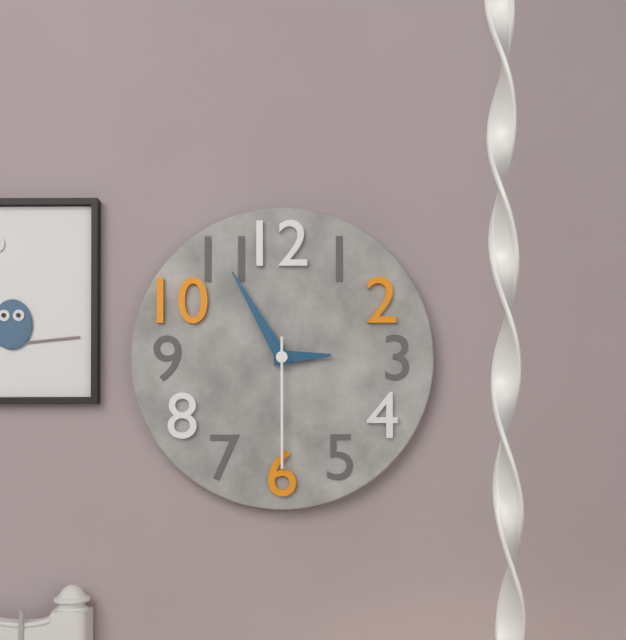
2:55:30
